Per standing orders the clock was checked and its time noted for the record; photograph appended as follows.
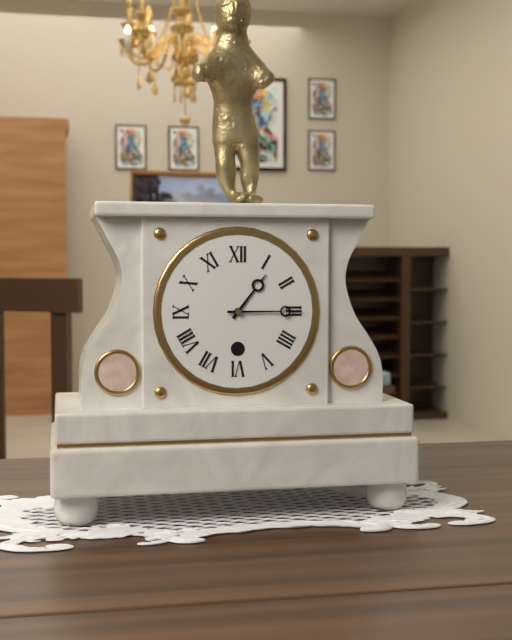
1:15
